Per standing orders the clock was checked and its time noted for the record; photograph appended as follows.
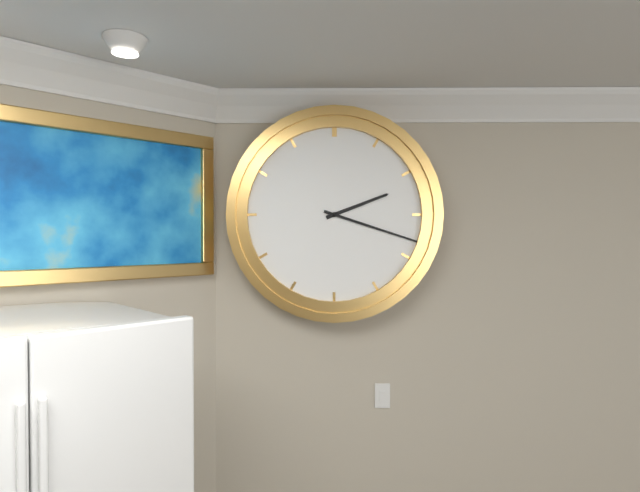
2:18
